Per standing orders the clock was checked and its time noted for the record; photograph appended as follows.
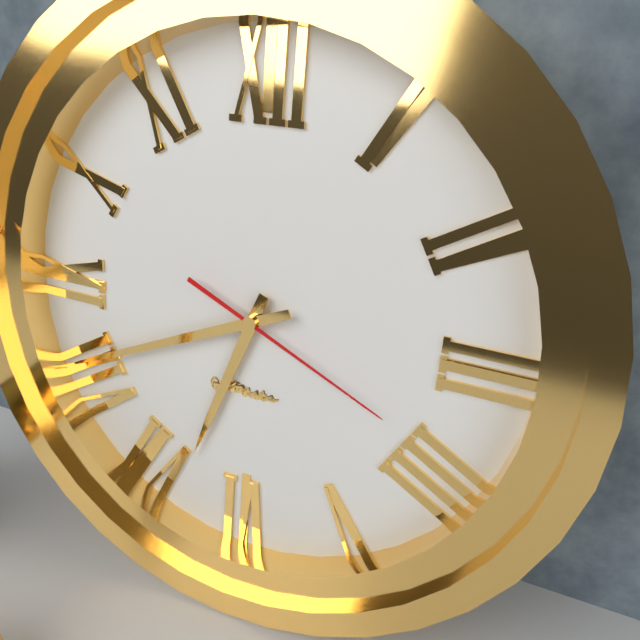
6:41:19
